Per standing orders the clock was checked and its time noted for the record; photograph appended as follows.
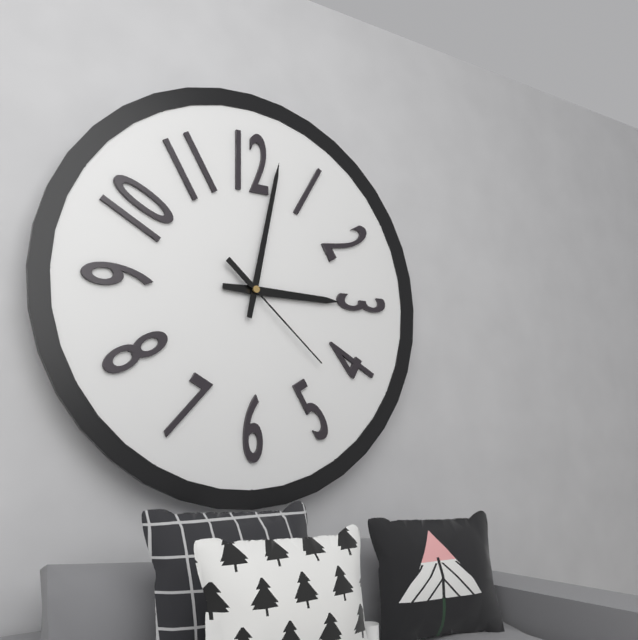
3:02:22
